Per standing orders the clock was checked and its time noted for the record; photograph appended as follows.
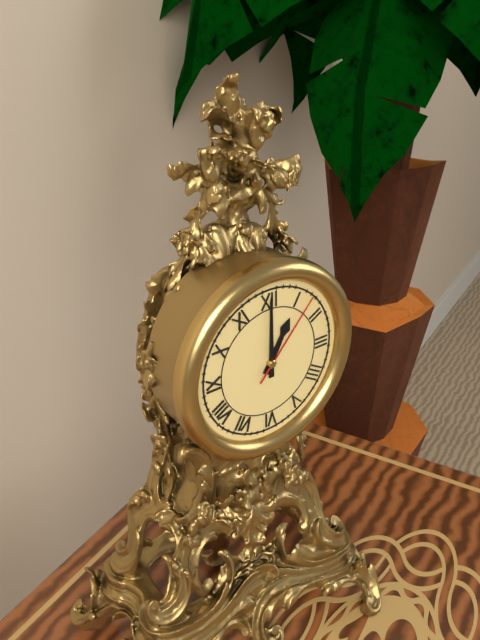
1:00:07
